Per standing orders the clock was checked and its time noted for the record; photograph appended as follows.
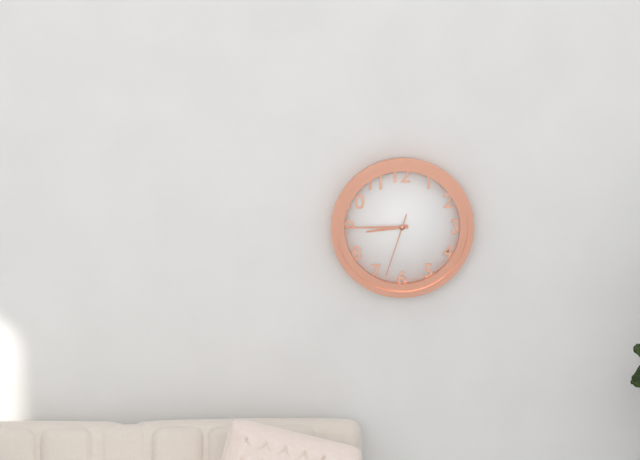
8:45:33
